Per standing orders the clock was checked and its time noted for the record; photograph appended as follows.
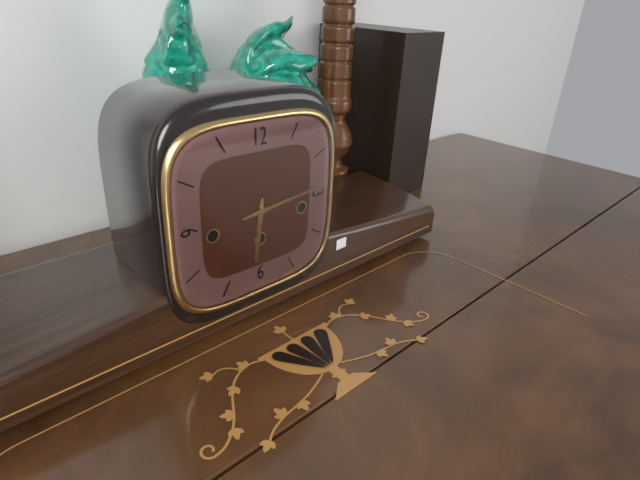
6:14
